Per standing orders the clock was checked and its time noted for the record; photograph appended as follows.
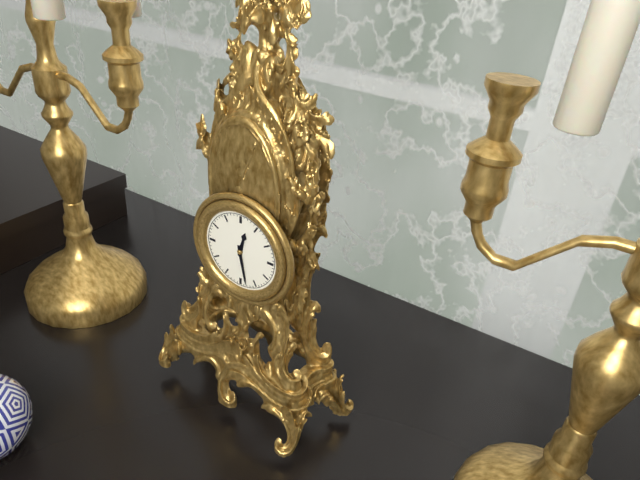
12:28
